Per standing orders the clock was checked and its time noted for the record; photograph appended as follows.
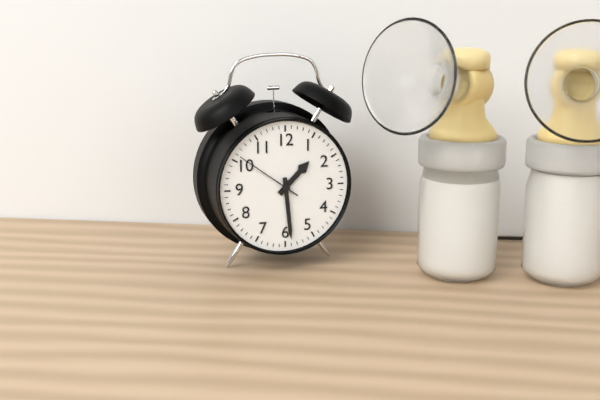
1:29:51
